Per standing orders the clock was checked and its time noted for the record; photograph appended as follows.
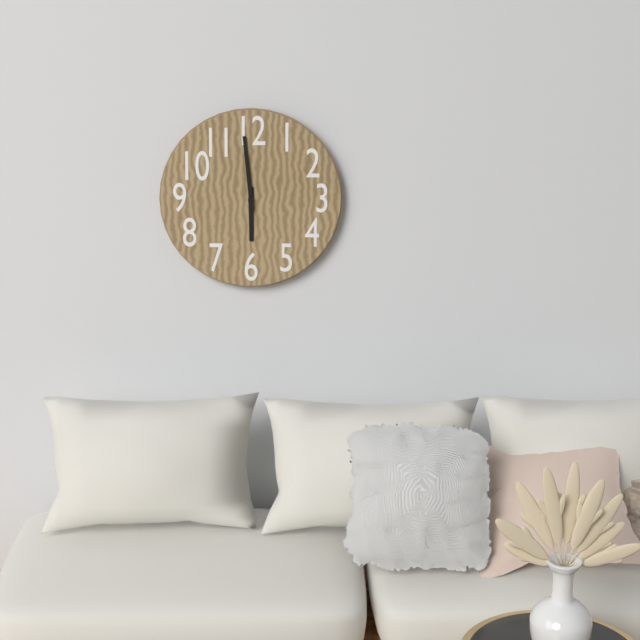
5:59
